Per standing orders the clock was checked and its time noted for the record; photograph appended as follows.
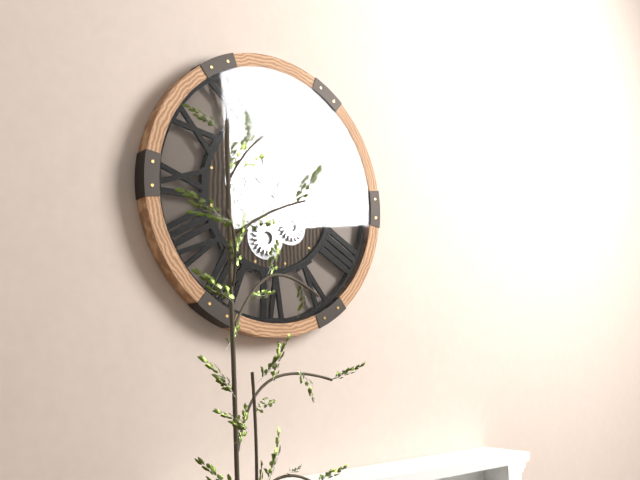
12:05
